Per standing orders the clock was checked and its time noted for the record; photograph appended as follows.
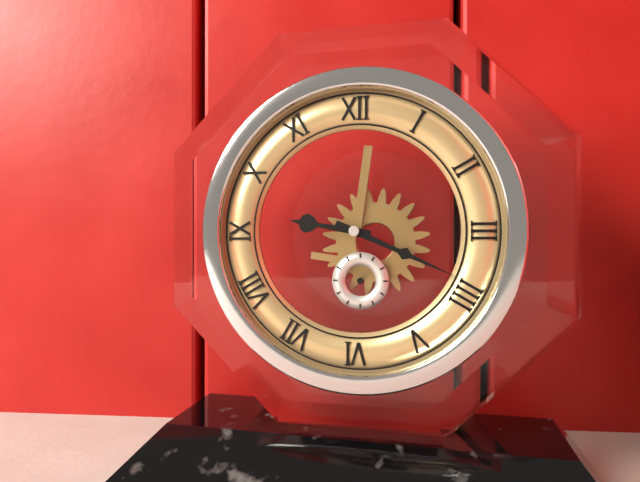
9:19
